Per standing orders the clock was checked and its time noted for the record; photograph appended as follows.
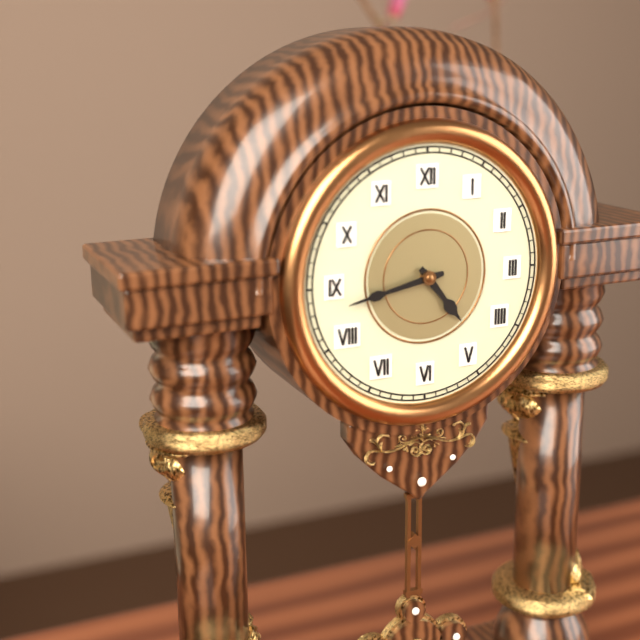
4:43
